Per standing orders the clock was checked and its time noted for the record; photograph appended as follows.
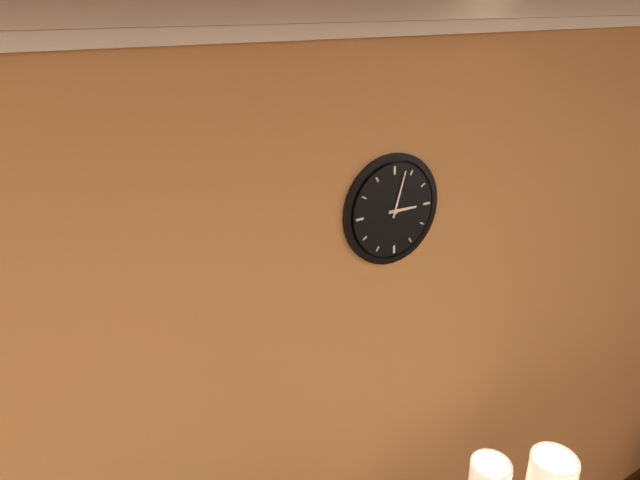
3:03
